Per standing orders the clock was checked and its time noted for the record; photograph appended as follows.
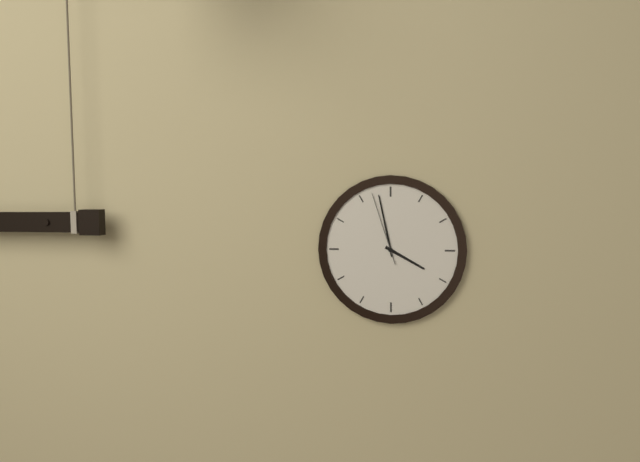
3:58:57
